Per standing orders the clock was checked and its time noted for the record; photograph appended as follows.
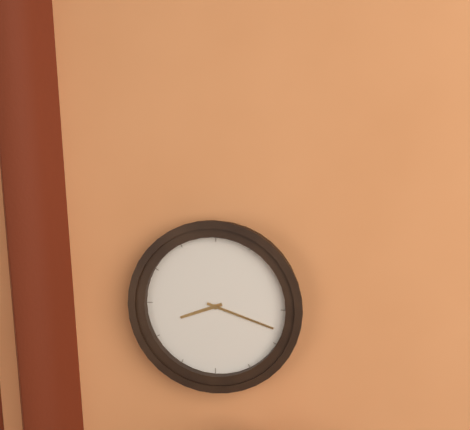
8:18
